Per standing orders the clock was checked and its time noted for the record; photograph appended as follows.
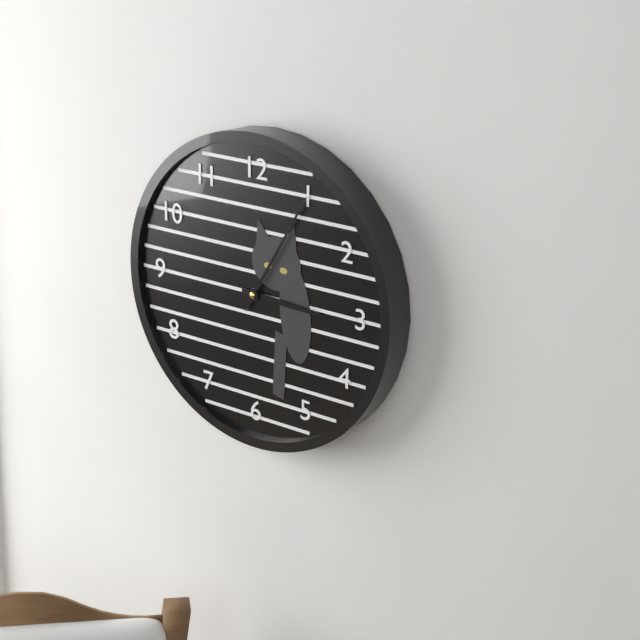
3:05
